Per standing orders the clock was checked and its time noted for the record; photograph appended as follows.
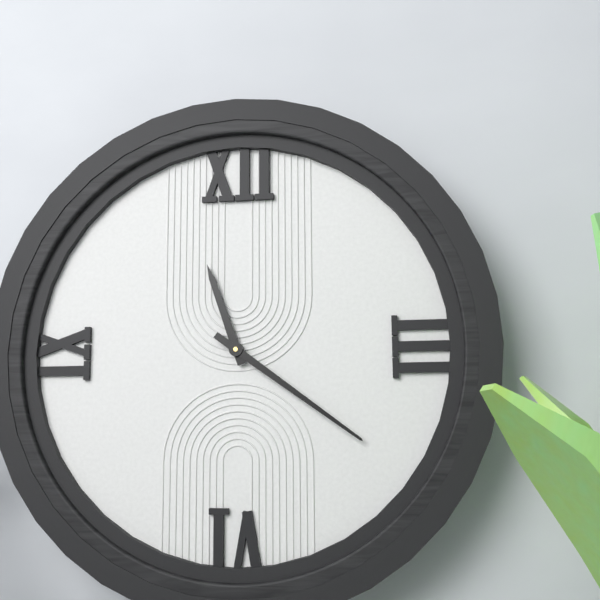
11:21
